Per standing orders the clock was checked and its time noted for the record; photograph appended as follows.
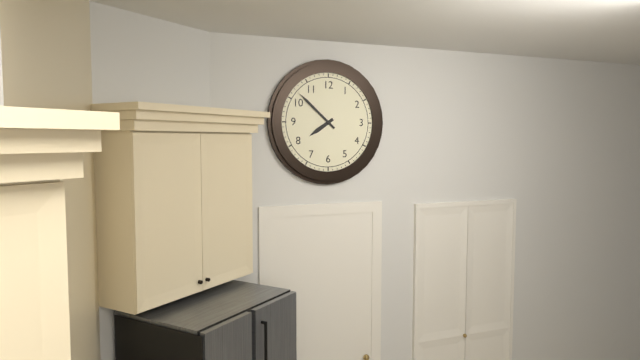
7:52
